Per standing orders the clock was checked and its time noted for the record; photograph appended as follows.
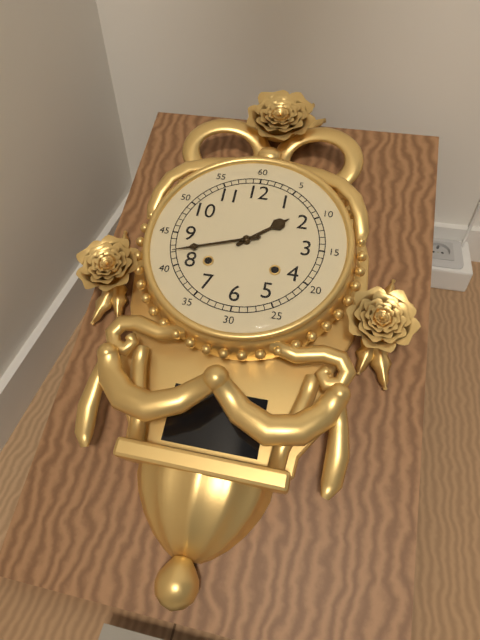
1:42
